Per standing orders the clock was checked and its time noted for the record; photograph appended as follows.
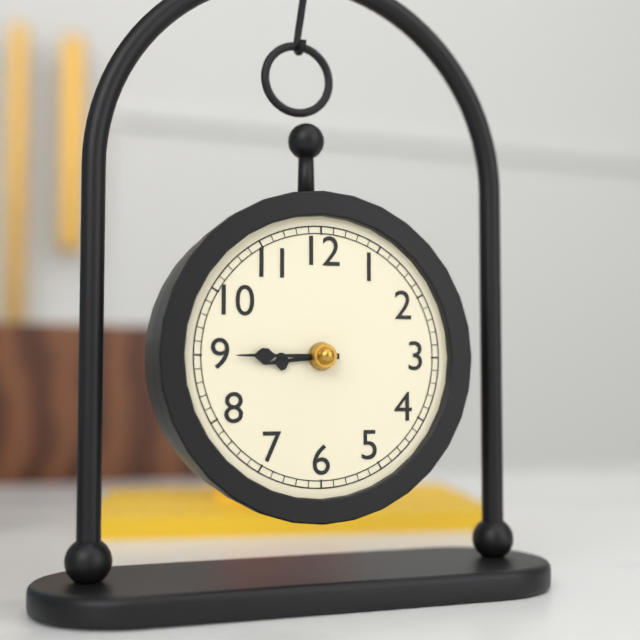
8:45
